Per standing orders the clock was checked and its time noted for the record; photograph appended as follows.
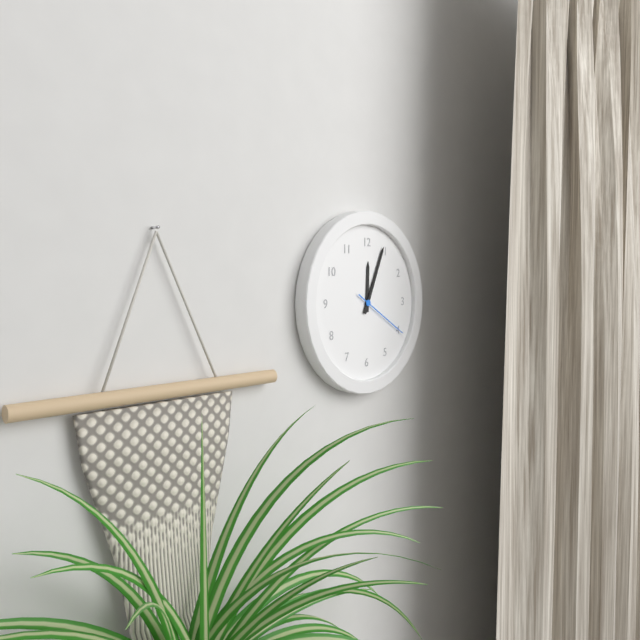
12:04:20
